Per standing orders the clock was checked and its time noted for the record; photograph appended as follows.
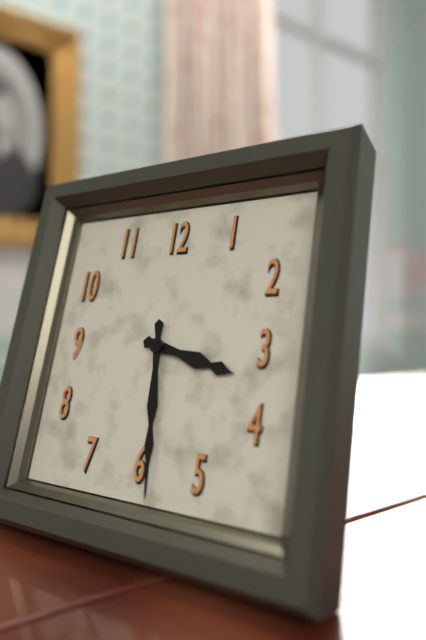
3:29
